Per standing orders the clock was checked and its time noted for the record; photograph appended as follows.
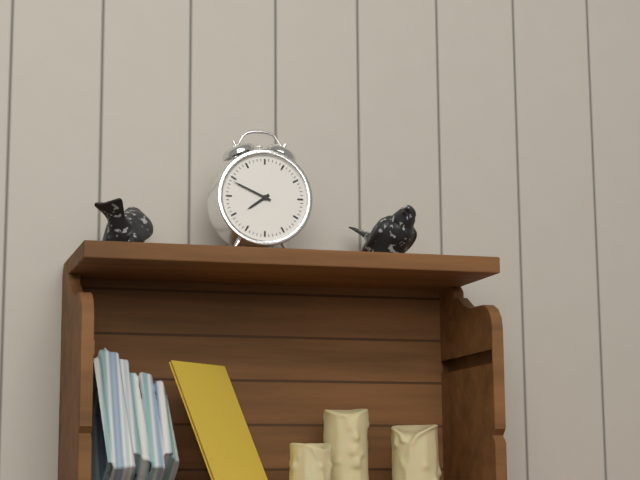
7:49
